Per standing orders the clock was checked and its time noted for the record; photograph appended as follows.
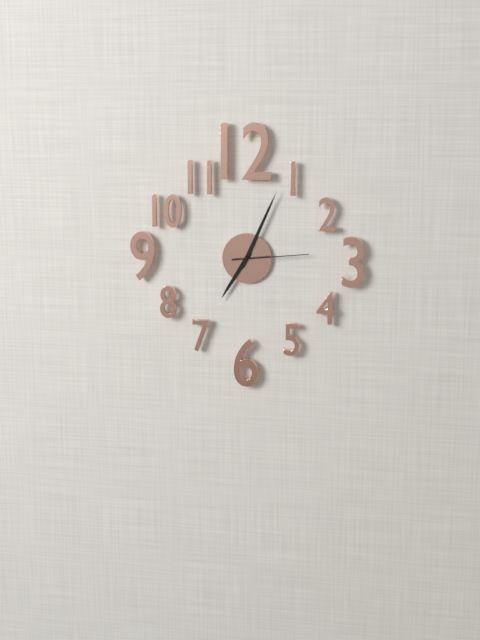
7:04:14
